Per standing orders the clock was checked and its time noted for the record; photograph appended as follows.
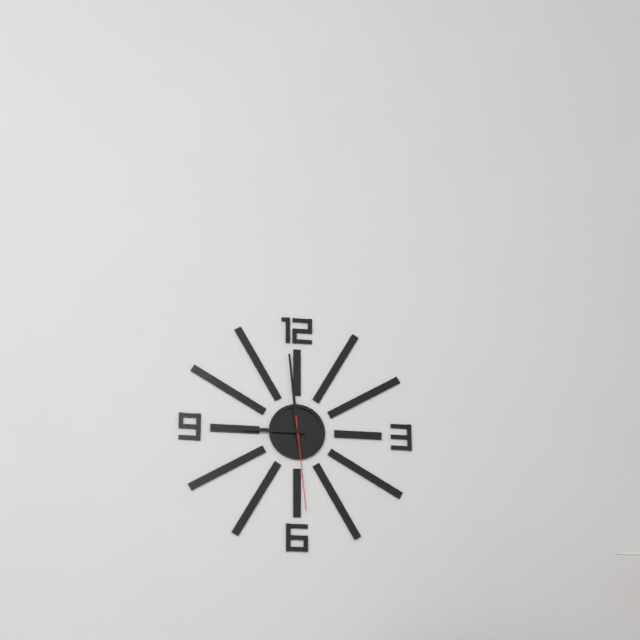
8:59:29
